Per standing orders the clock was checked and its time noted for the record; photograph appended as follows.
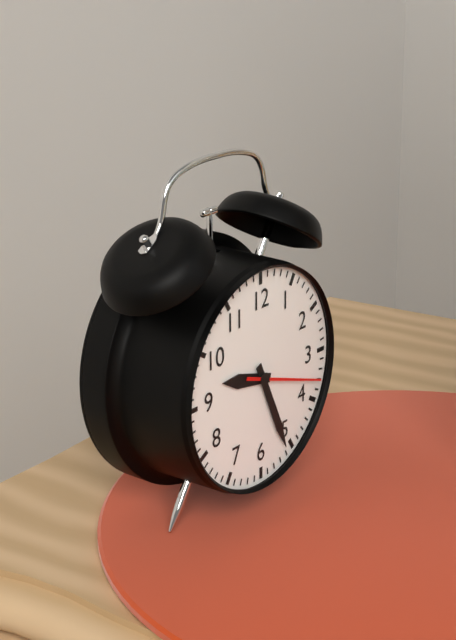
9:26:18
